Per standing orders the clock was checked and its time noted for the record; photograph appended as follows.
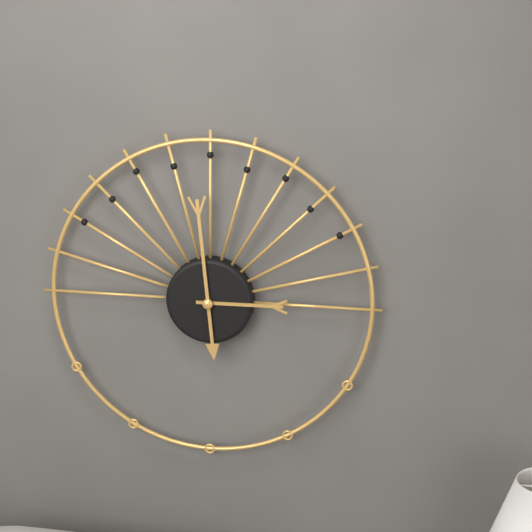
2:59
